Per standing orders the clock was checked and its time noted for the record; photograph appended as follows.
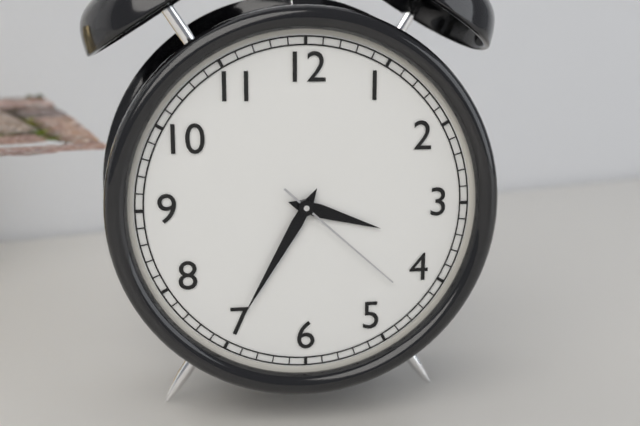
3:35:22
